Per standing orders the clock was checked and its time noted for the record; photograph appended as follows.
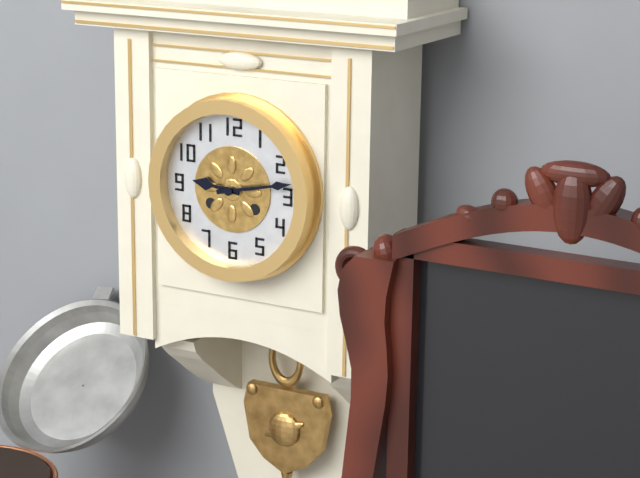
9:13
